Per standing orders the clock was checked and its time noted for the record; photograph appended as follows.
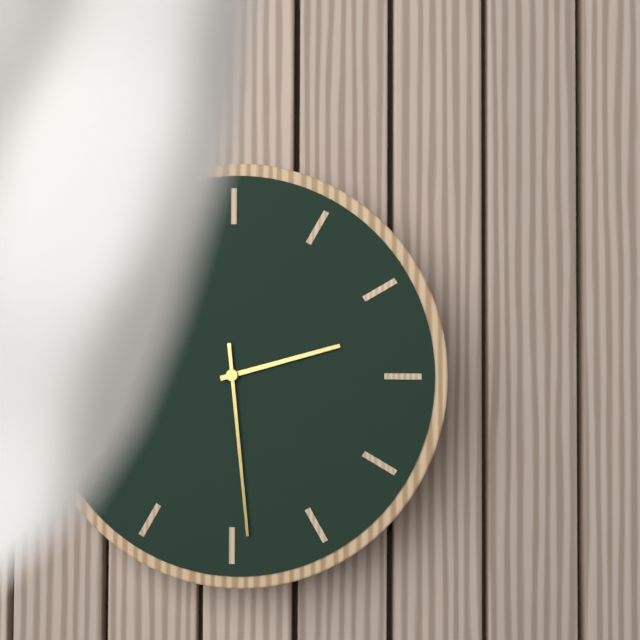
2:29
